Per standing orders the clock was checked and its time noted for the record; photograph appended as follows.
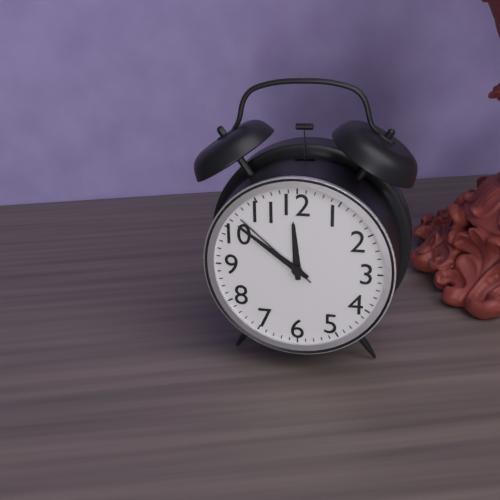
11:51:52
